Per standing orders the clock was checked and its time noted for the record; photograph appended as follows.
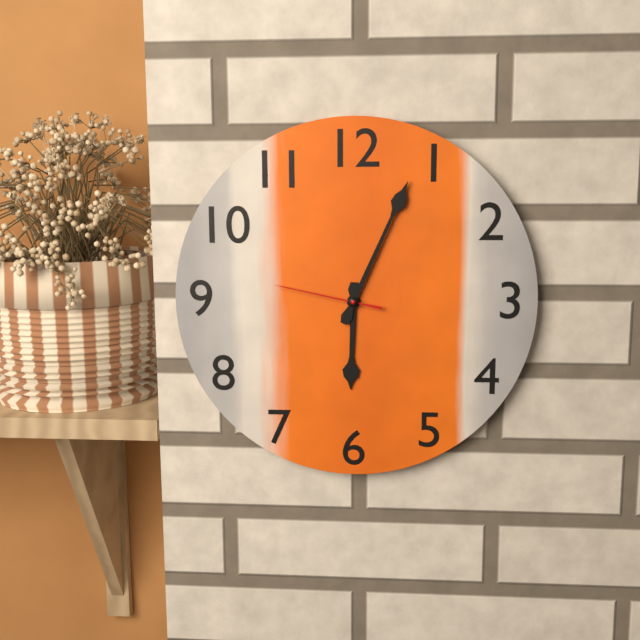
6:04:47
